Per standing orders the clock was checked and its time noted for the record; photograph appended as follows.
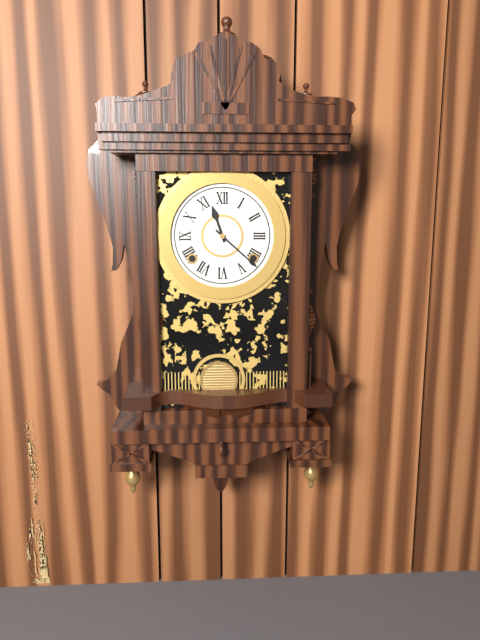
11:22
